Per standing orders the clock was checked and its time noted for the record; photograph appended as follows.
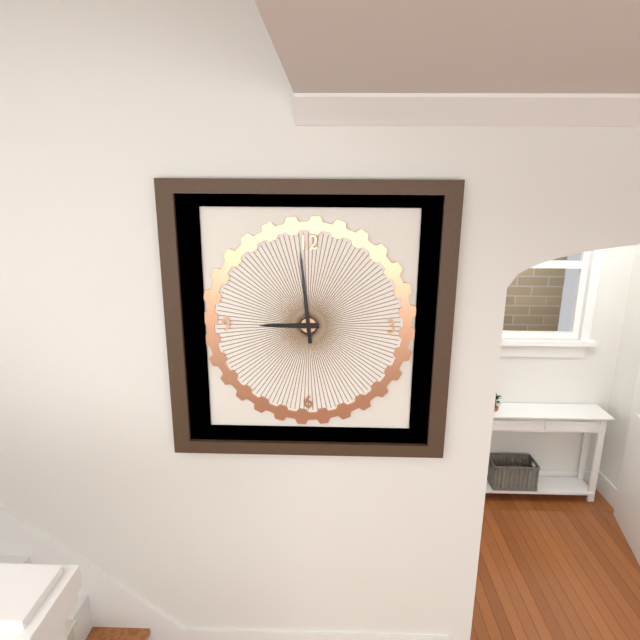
8:59
